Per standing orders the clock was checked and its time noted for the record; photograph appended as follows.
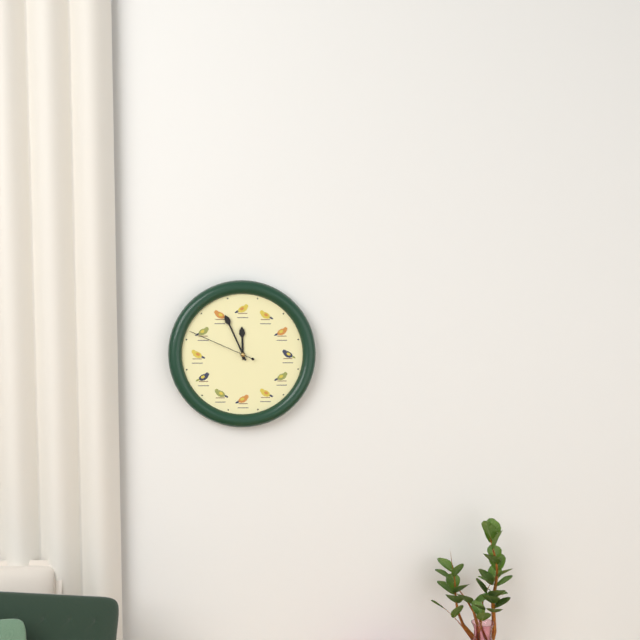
11:56:49
